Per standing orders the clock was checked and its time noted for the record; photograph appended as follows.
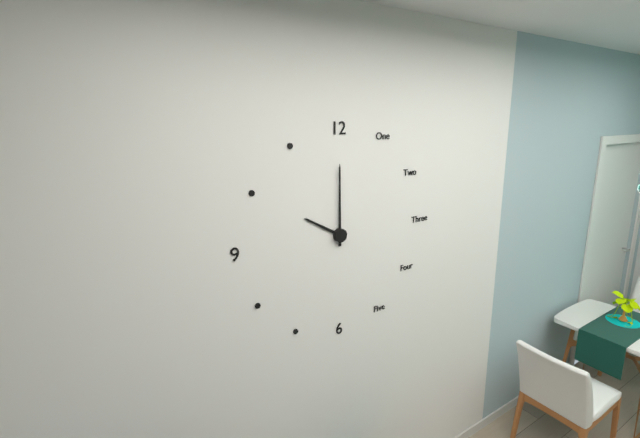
10:00
